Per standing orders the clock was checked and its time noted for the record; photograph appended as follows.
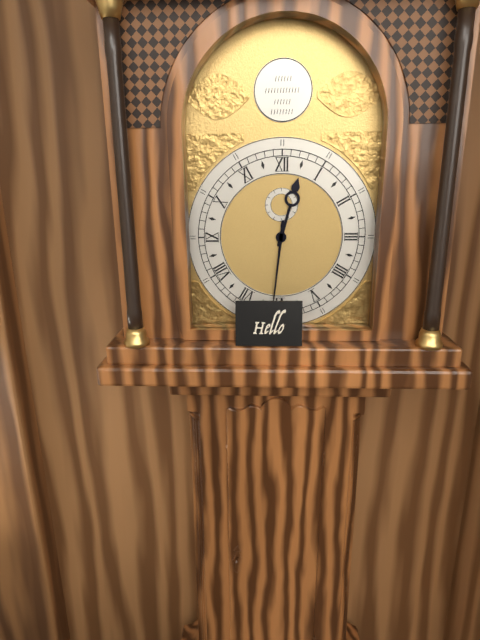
12:31
